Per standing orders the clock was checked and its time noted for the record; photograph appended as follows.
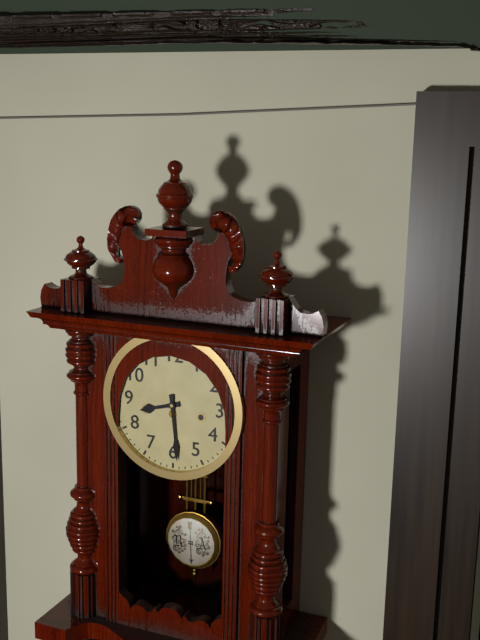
8:29
